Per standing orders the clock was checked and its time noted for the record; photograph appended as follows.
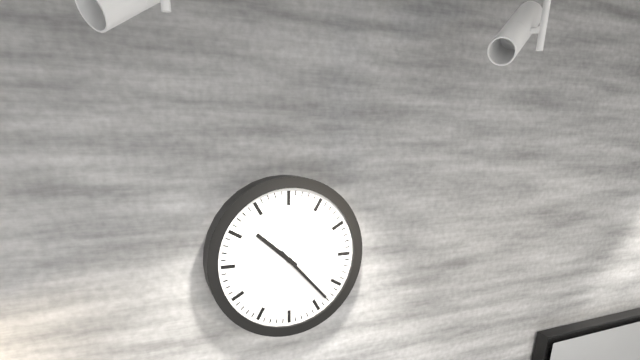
10:23
